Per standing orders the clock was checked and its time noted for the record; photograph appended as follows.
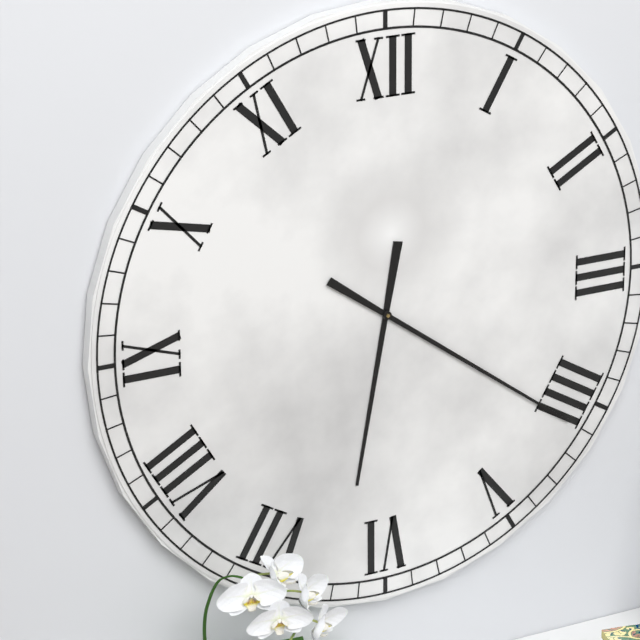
6:21
